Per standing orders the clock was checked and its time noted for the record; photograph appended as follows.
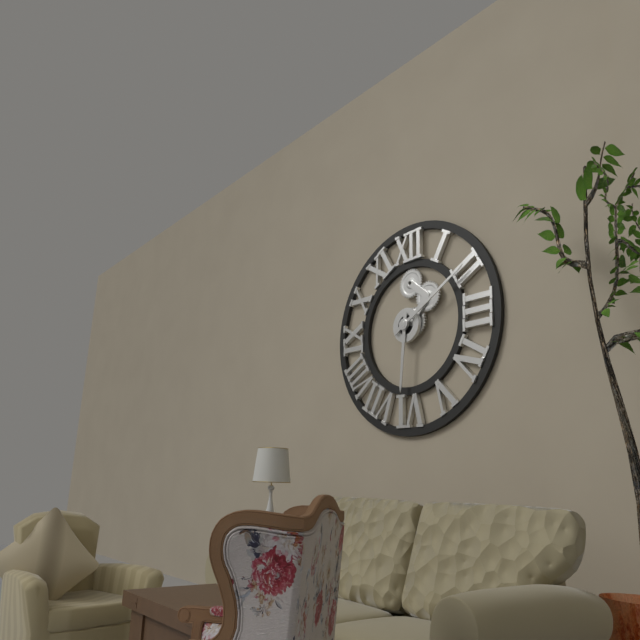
6:10
